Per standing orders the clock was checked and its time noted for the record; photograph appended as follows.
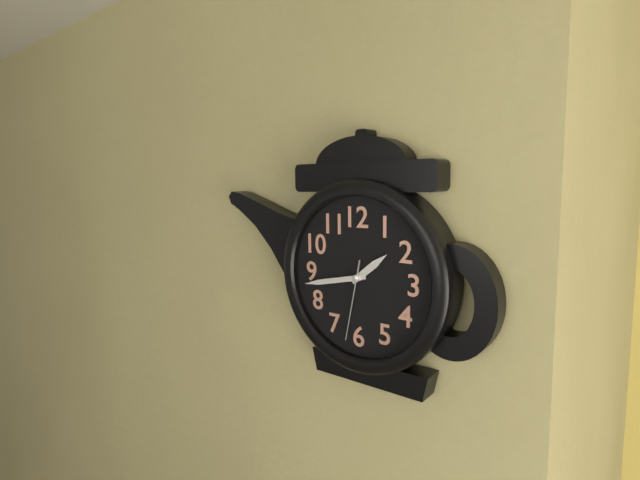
1:43:32
